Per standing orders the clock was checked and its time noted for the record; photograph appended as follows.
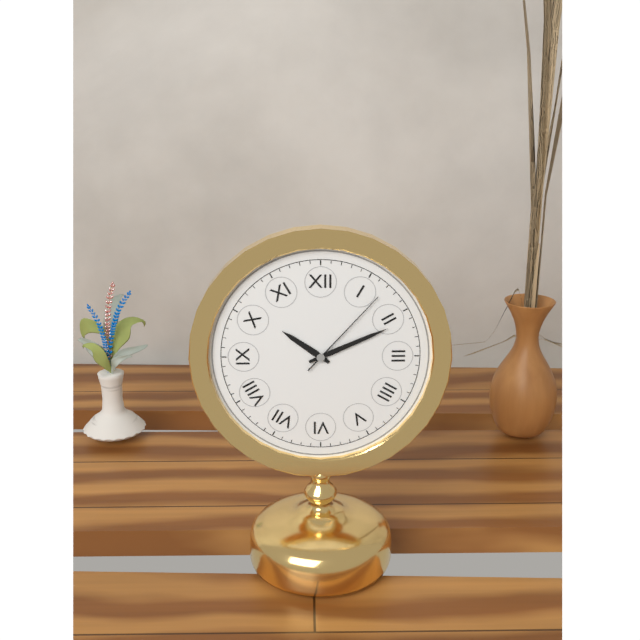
10:11:07
